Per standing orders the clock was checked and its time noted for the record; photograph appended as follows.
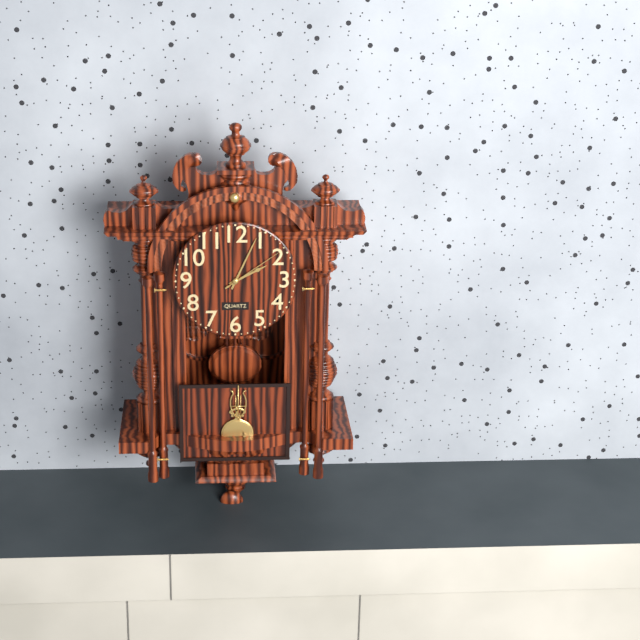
2:04:09
